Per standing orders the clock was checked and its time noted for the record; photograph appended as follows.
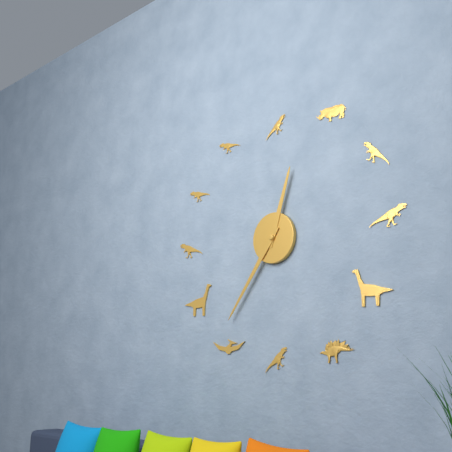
12:36
